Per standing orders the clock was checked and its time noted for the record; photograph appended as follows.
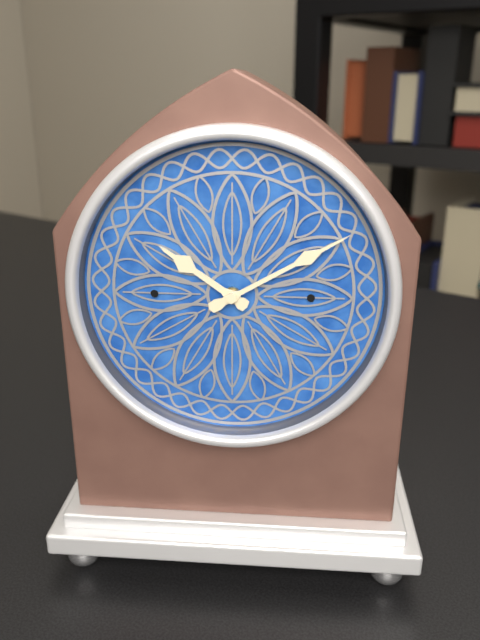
10:10
